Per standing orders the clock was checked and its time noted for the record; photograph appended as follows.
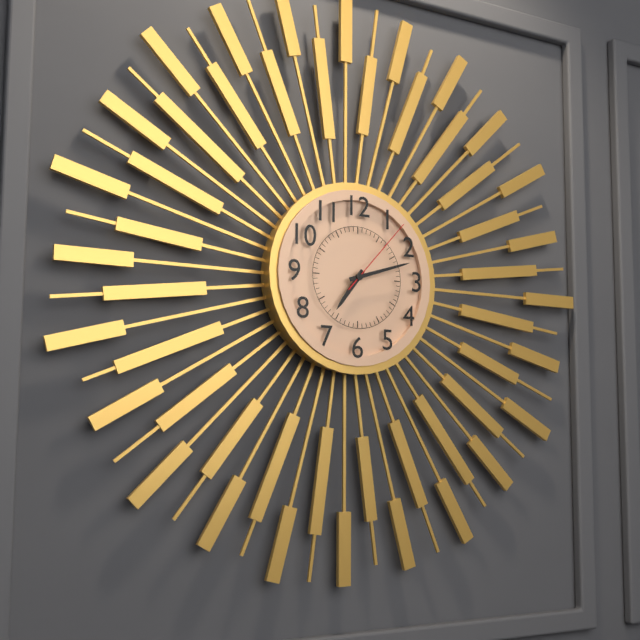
7:12:07
